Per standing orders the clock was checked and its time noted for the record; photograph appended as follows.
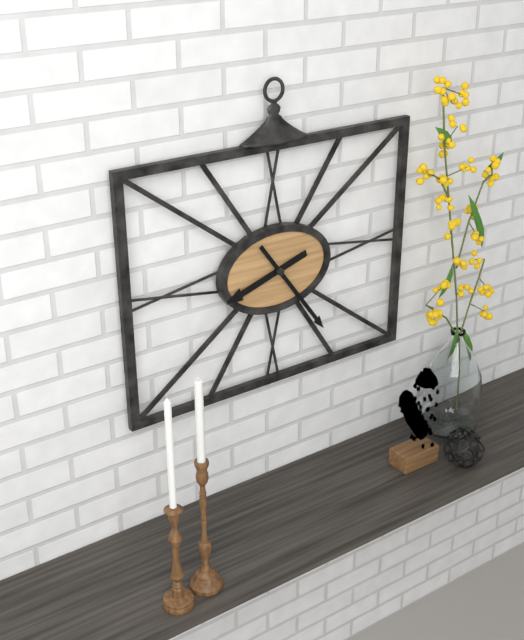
8:24
